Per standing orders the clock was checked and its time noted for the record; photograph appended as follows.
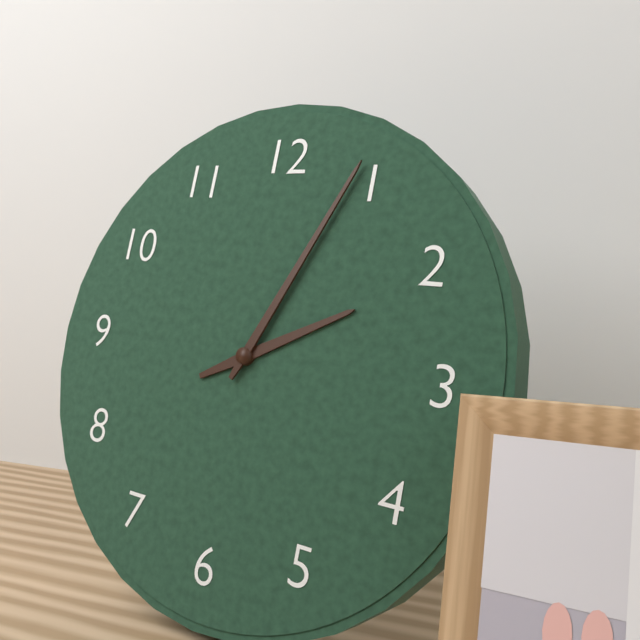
2:04
